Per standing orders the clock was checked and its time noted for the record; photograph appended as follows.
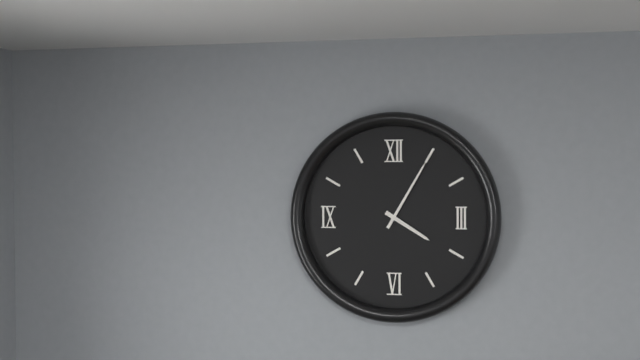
4:05
